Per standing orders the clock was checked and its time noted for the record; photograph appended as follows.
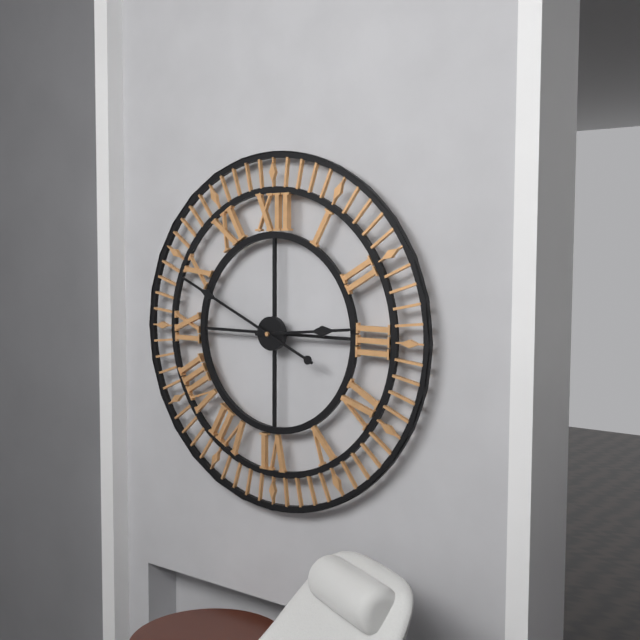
2:49
